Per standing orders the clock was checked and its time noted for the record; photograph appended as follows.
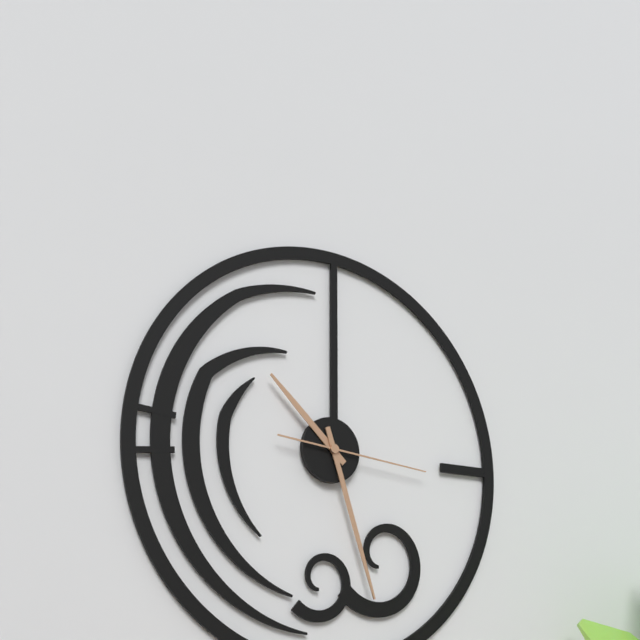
10:27:16
